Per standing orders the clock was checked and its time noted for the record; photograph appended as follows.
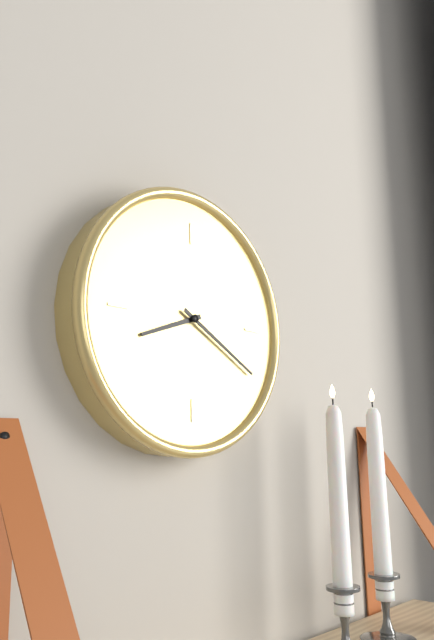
8:20
